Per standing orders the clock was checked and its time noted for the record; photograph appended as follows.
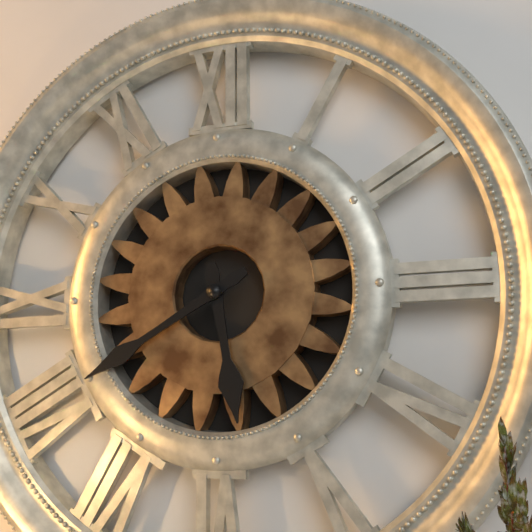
5:40
